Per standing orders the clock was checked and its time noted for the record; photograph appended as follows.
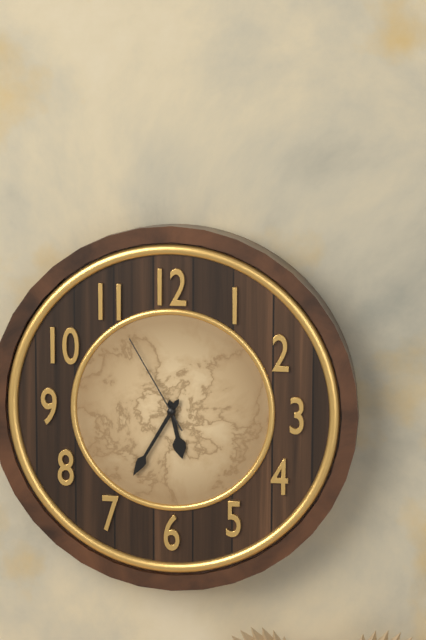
5:35:55
